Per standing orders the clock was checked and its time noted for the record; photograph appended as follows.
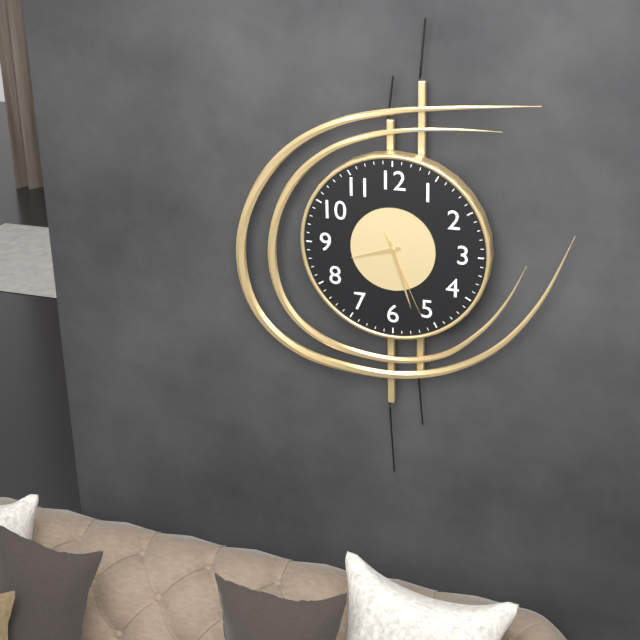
8:27:26
